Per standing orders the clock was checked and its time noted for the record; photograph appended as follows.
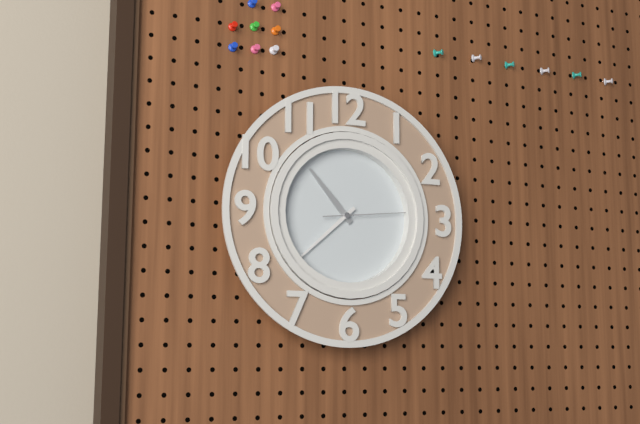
10:38:14
